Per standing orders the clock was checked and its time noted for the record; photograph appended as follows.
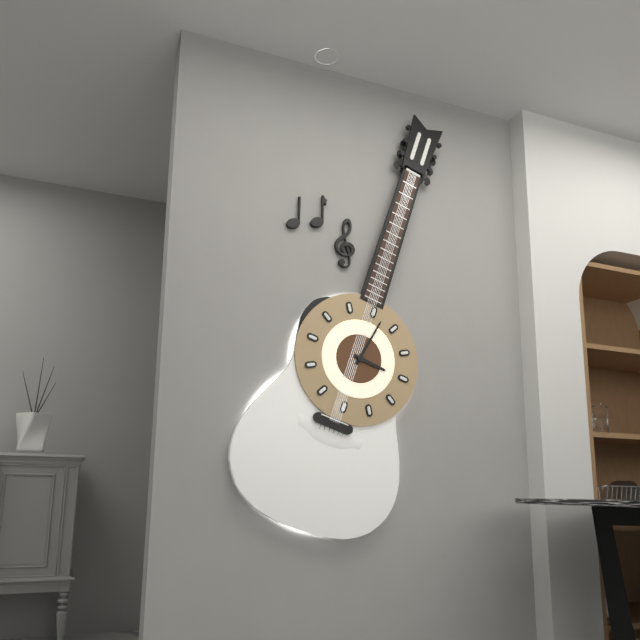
3:02
